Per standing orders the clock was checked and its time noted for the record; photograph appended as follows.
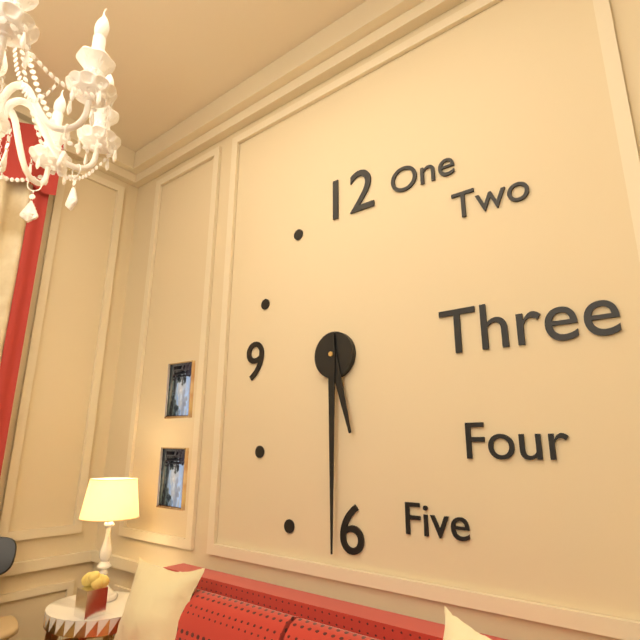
5:30
